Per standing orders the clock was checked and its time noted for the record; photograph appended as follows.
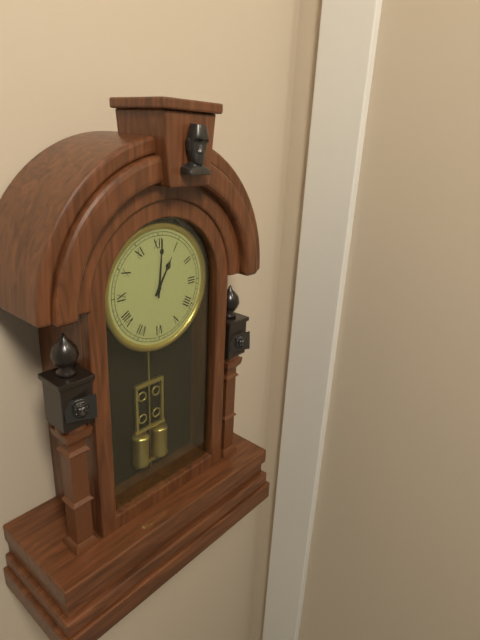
1:01
